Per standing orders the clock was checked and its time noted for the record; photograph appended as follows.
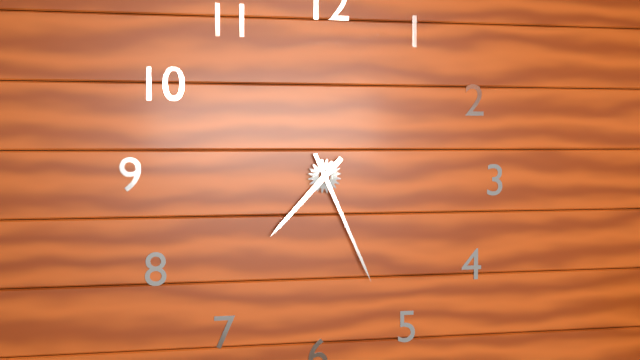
7:26
